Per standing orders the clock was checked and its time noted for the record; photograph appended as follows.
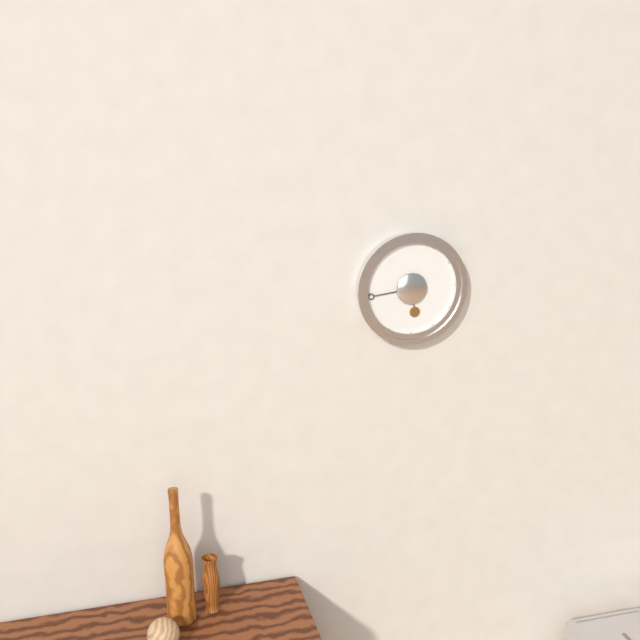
5:44
